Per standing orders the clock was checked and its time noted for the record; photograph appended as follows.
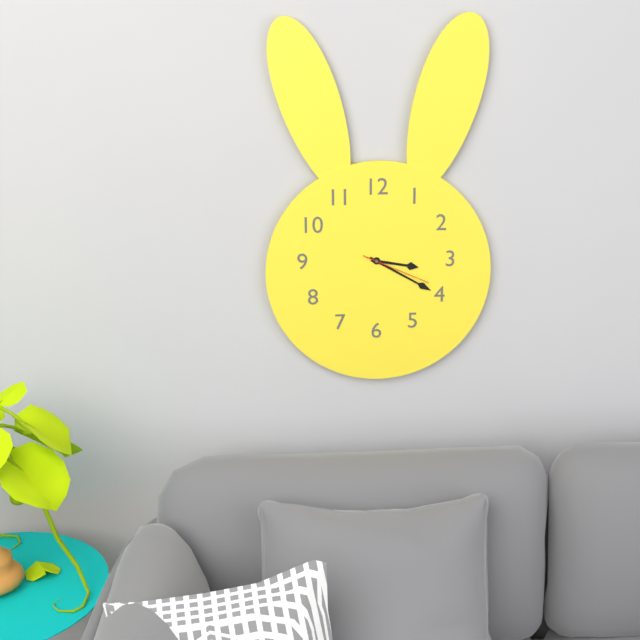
3:20:19
